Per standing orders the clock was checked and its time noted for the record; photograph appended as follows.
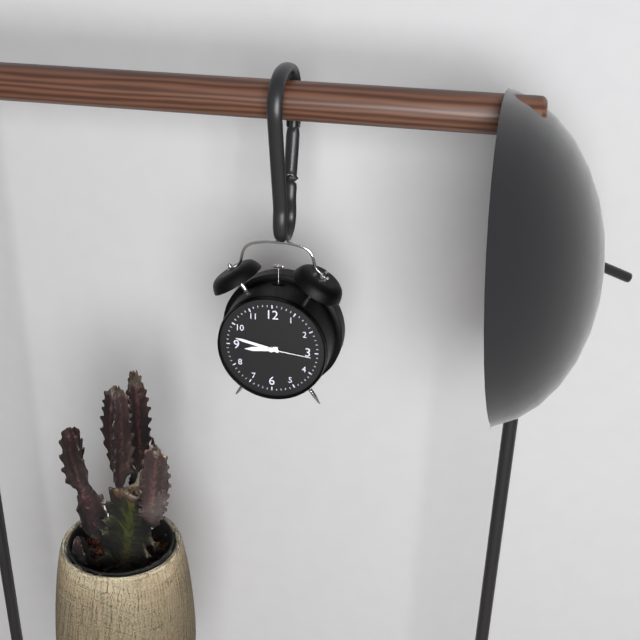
8:47
